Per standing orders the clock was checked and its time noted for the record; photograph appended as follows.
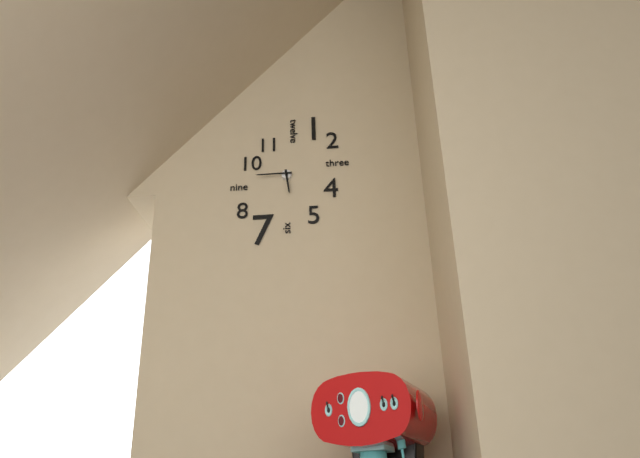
5:45
